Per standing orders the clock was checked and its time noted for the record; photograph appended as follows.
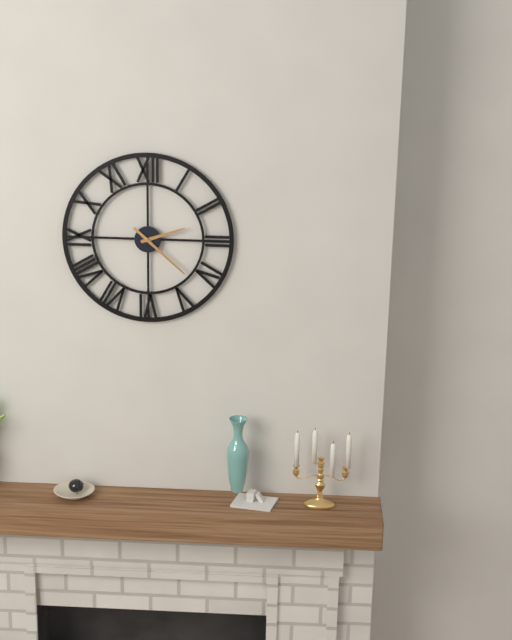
2:22
